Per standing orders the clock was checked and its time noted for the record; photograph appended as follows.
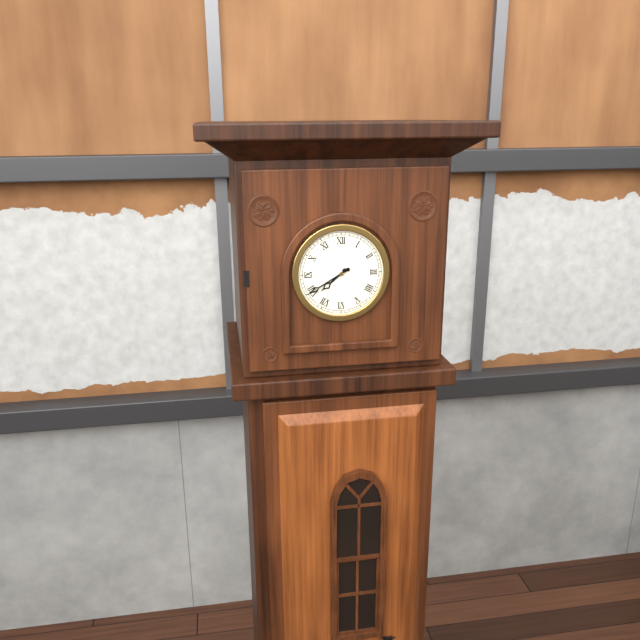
7:40
